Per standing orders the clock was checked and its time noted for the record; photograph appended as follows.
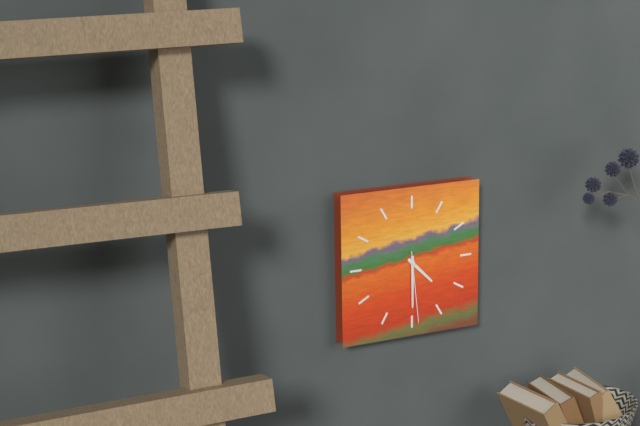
4:30:29
